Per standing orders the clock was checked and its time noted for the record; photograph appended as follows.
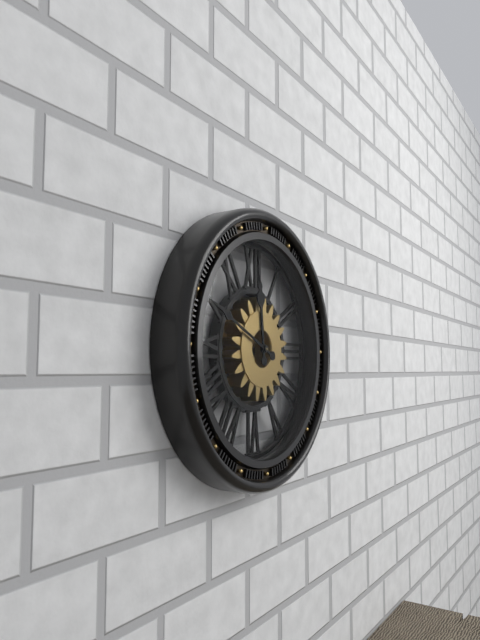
11:49
